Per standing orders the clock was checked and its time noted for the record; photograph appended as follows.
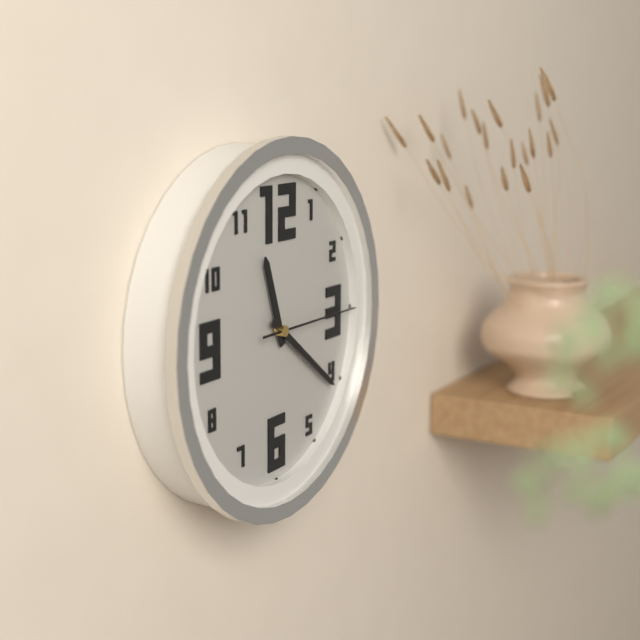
11:21:15
